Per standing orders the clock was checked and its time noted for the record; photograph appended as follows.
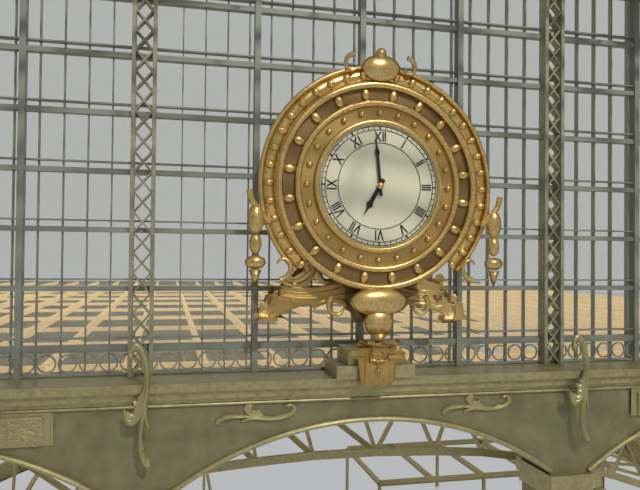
6:59
